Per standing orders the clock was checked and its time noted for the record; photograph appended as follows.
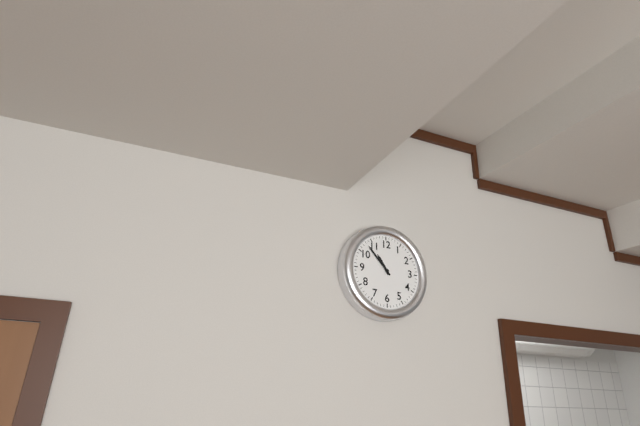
10:53
